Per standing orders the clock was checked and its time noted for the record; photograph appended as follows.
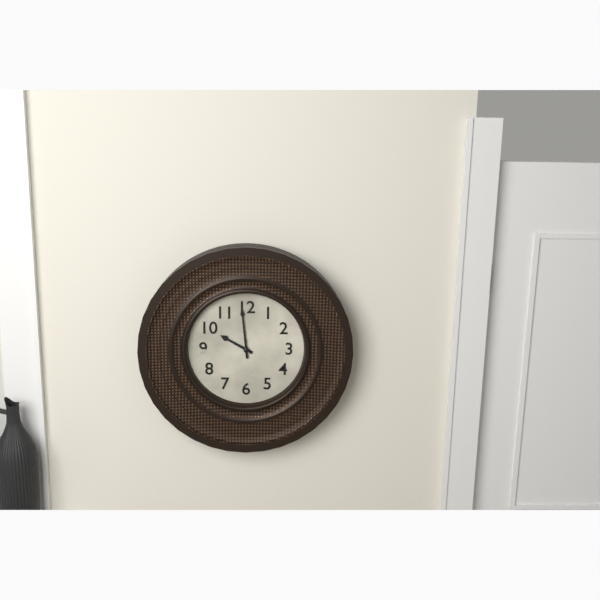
9:59
